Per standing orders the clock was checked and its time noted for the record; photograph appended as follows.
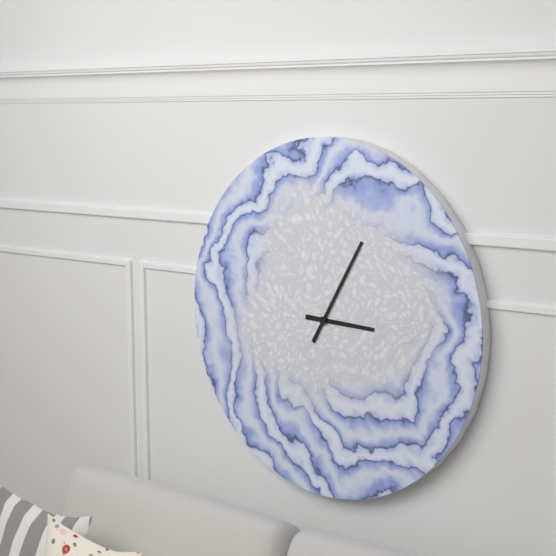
3:05
